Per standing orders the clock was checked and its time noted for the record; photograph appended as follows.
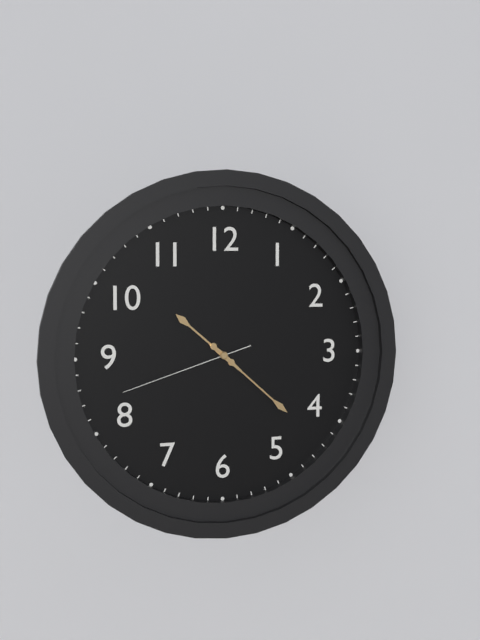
10:22:42
